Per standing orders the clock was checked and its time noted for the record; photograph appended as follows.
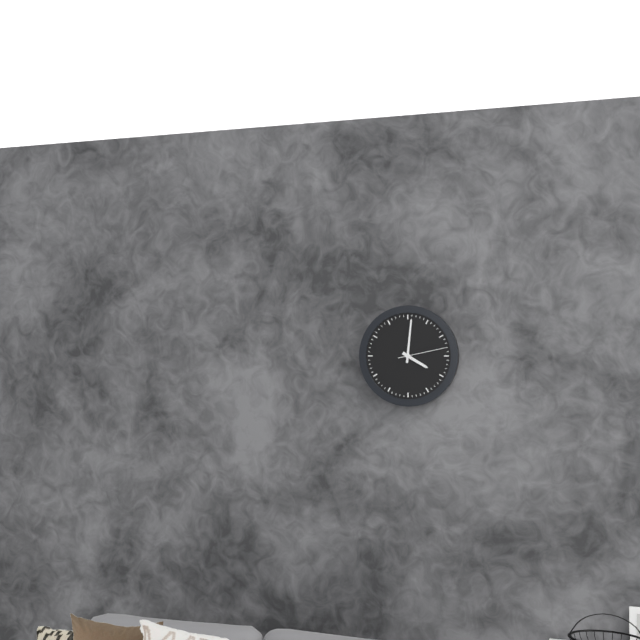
4:01
